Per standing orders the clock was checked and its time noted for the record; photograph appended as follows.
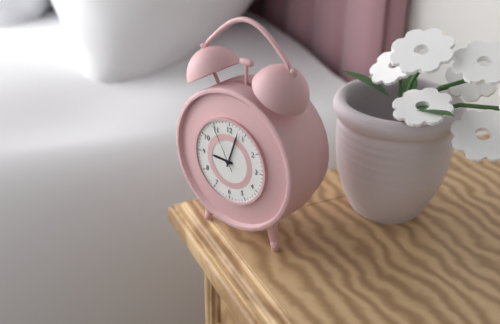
9:03:55
